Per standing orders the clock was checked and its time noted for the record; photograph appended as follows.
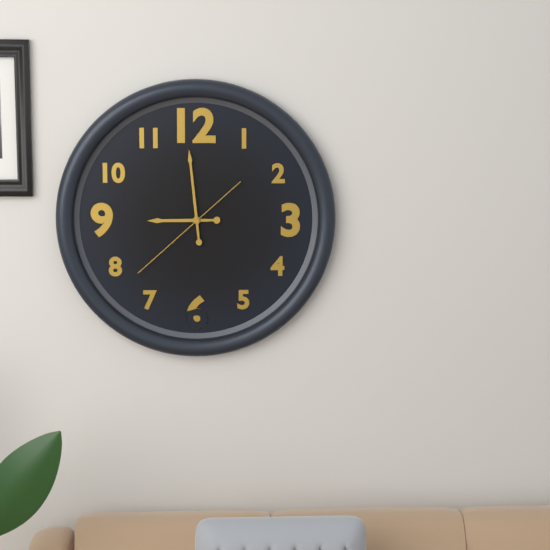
8:59:38
